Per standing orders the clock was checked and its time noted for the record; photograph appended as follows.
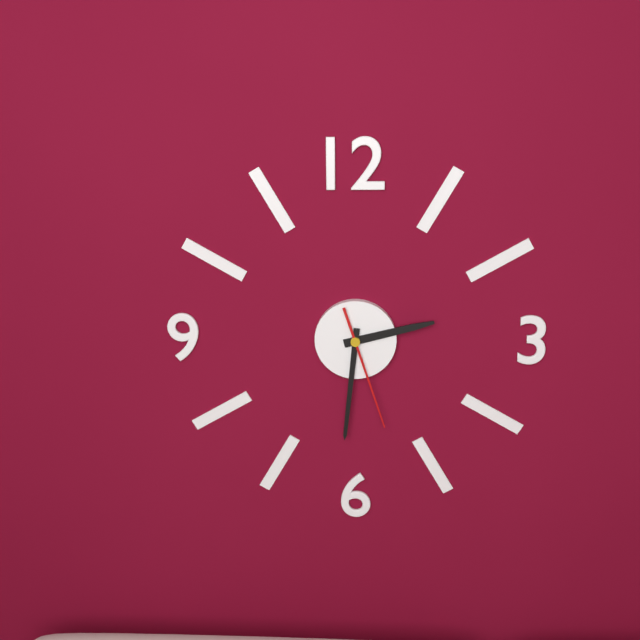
2:31:27
